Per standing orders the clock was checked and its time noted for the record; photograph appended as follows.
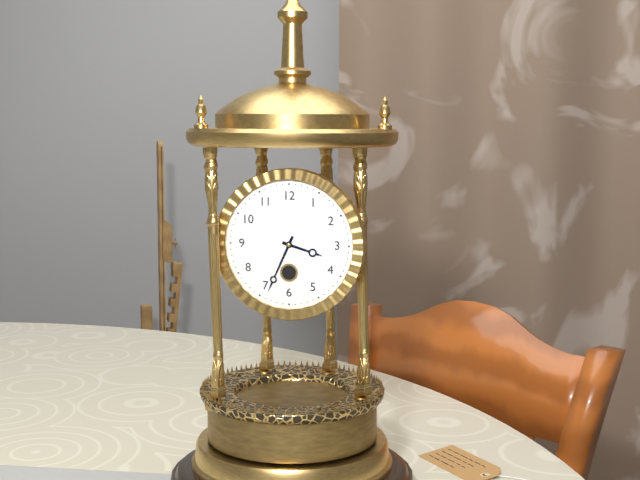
3:34
